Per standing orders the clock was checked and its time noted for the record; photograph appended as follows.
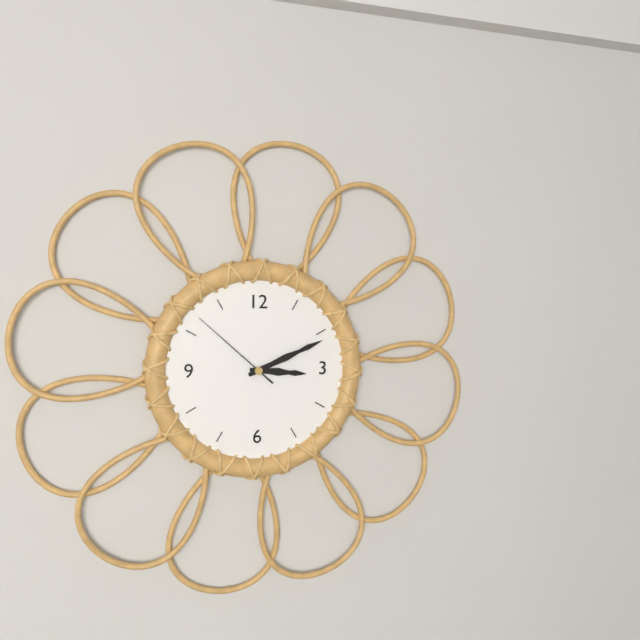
3:11:52
